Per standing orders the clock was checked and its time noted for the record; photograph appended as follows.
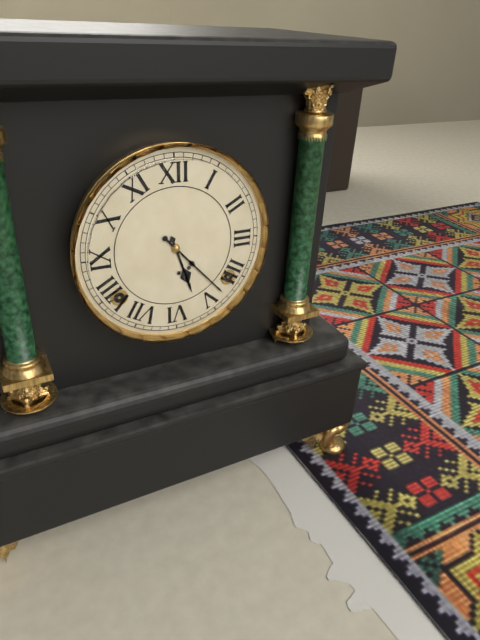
5:23
